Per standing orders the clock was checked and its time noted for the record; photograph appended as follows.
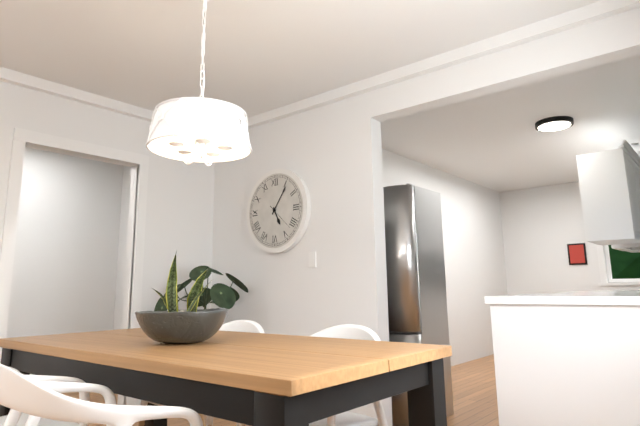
5:06
